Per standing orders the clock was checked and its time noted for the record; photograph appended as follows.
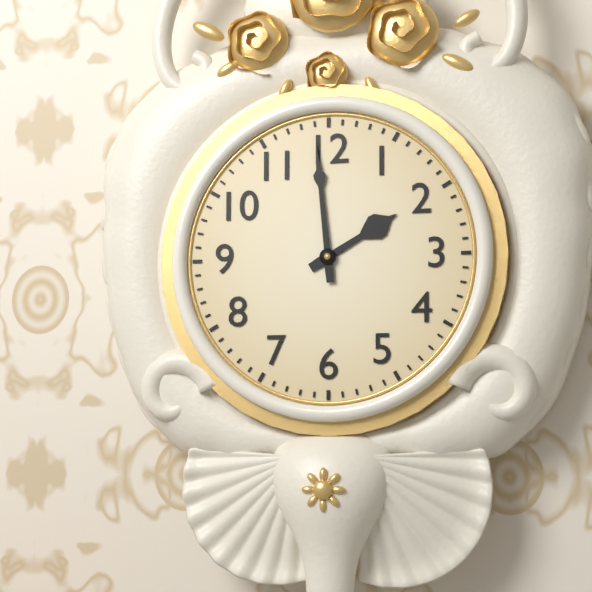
1:59
